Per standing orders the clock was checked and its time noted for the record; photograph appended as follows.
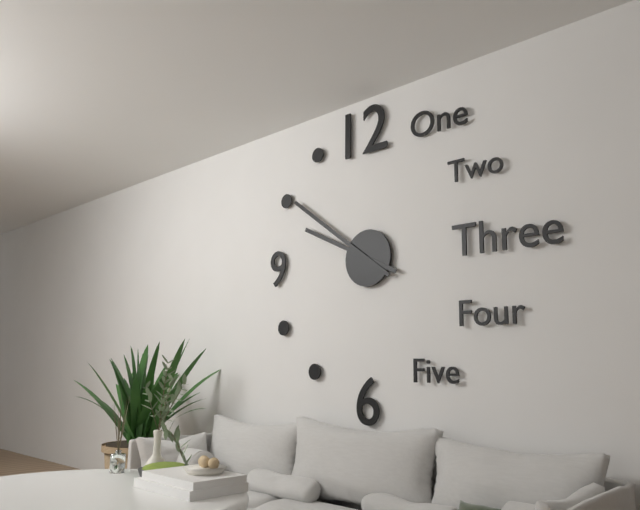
9:51
